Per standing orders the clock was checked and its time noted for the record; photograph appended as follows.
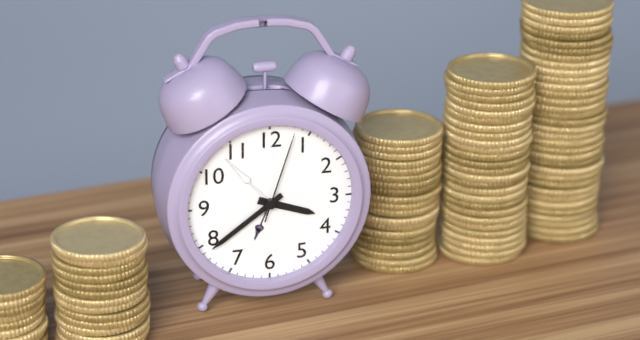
3:39:03
